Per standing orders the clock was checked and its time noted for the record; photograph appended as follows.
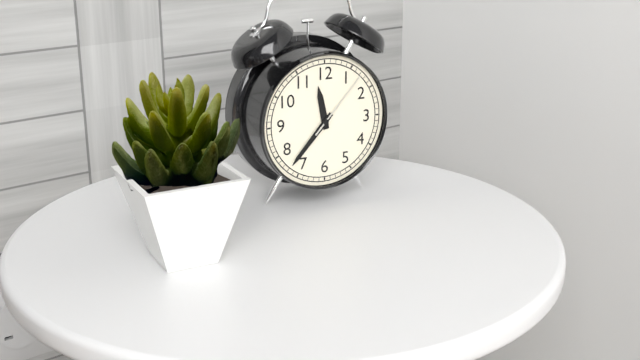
11:37:07
